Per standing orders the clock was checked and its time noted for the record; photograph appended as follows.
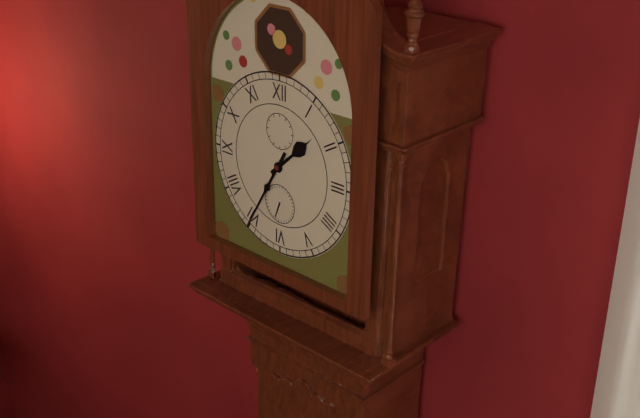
1:35
